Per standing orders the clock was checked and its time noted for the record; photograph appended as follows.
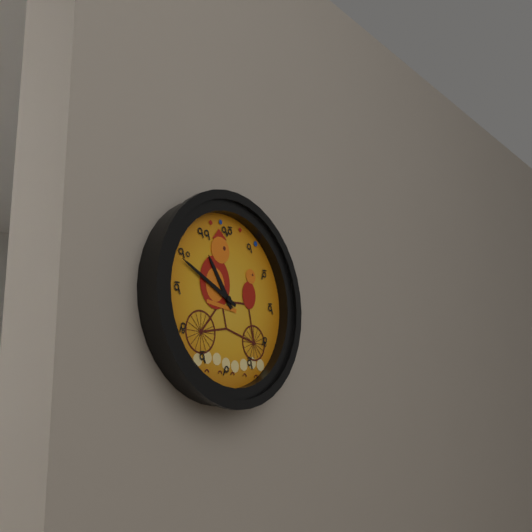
10:49
